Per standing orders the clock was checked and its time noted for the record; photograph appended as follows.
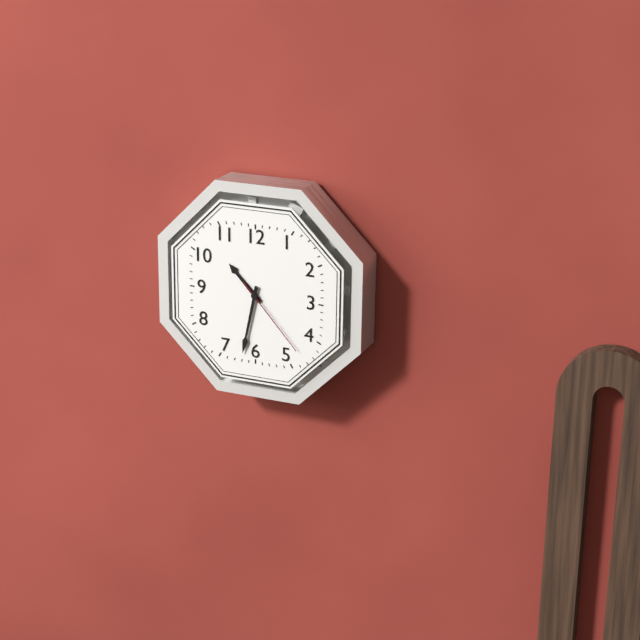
10:32:23
